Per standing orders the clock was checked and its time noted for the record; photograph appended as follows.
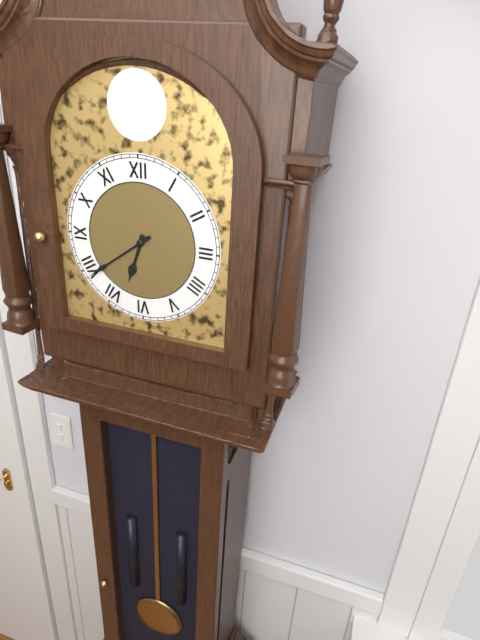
6:39
